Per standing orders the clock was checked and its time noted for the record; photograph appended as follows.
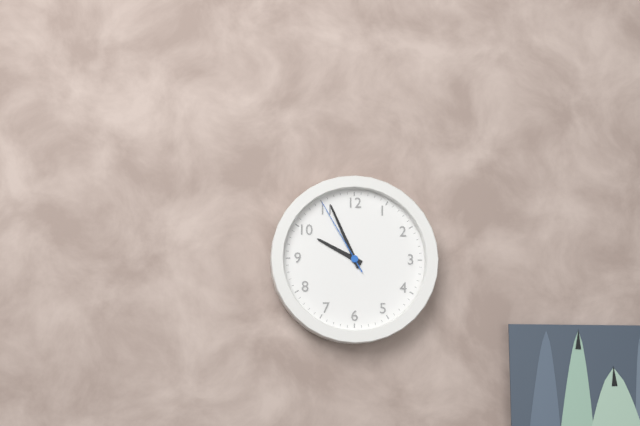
9:56:55
